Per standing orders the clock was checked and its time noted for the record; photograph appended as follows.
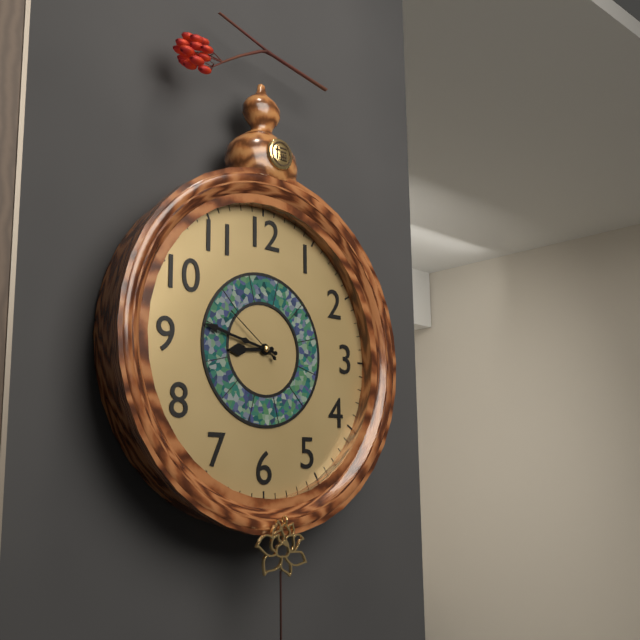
8:47:51
